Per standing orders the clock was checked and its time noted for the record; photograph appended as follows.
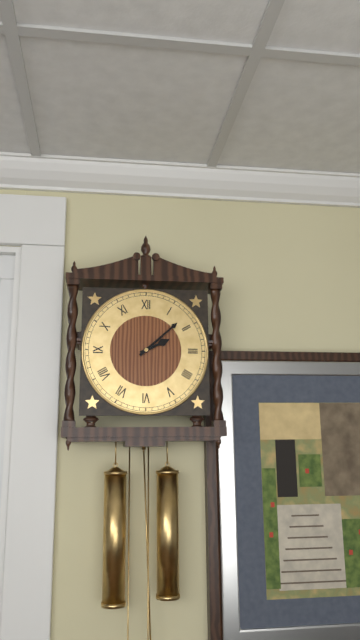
2:08
